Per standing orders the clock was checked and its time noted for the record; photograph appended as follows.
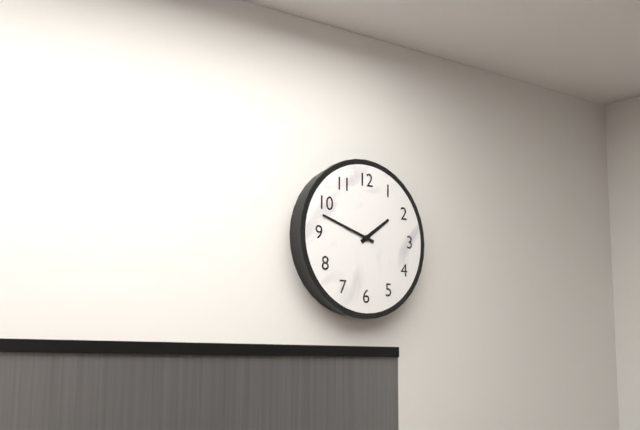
1:48
